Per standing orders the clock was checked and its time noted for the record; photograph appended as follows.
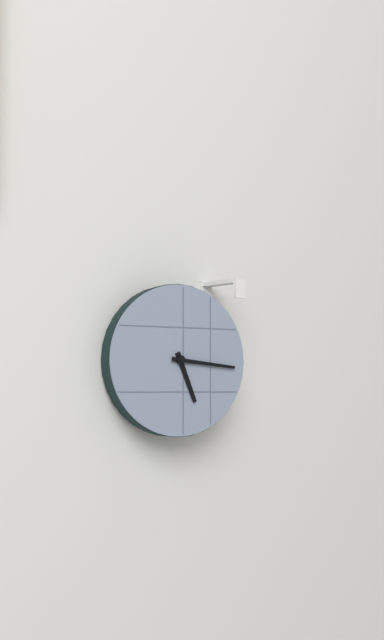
5:16
